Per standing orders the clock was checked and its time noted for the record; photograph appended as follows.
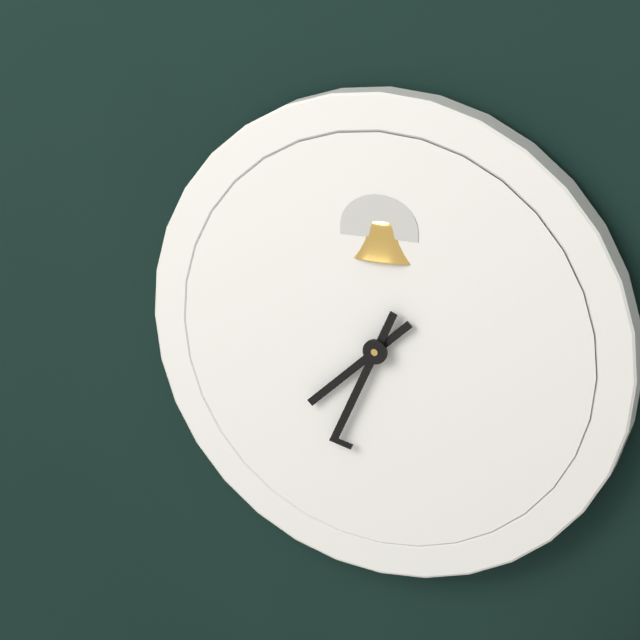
7:34
